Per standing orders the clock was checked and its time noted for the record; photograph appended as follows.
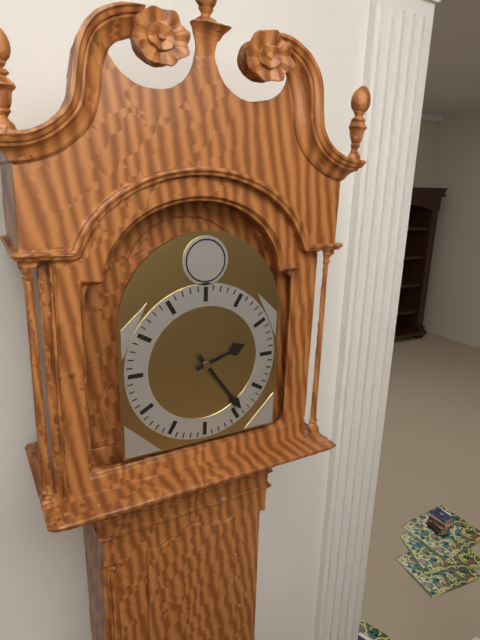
2:24
